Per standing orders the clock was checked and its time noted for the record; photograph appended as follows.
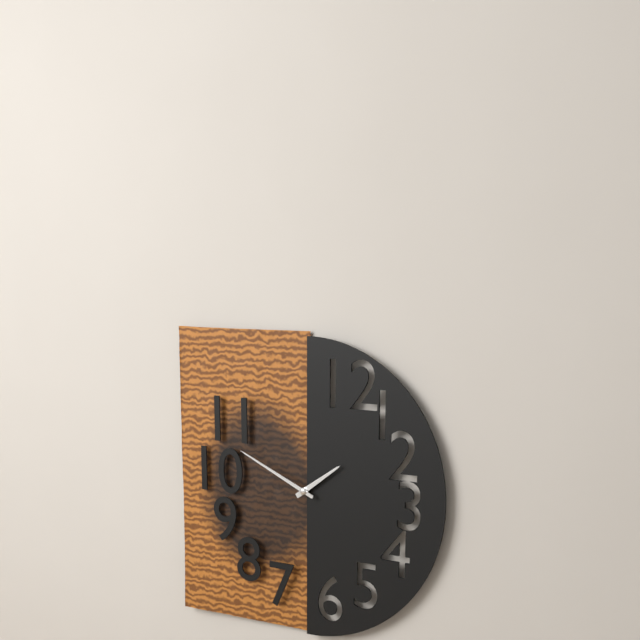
1:49
